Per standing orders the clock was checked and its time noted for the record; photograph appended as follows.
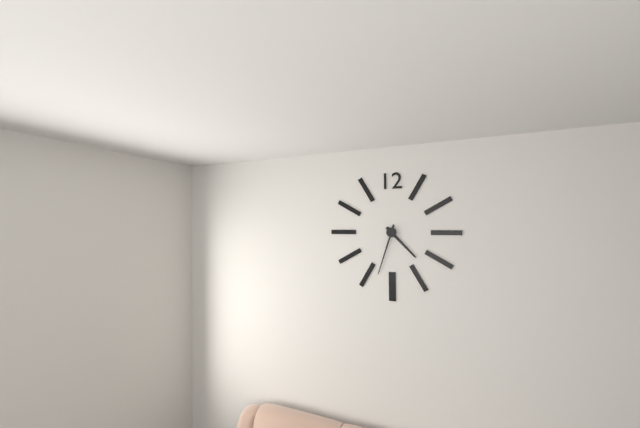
4:33
